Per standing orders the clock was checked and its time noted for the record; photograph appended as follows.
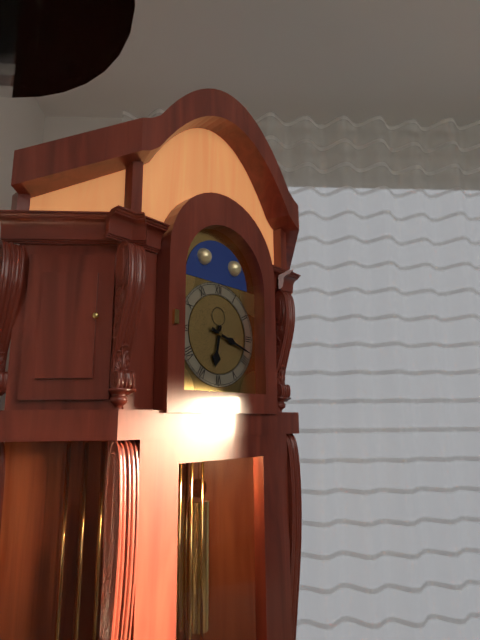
6:18
